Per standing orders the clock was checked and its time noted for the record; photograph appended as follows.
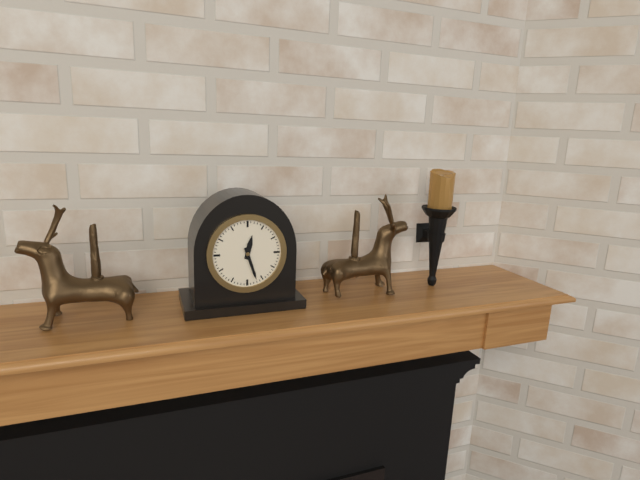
12:27
